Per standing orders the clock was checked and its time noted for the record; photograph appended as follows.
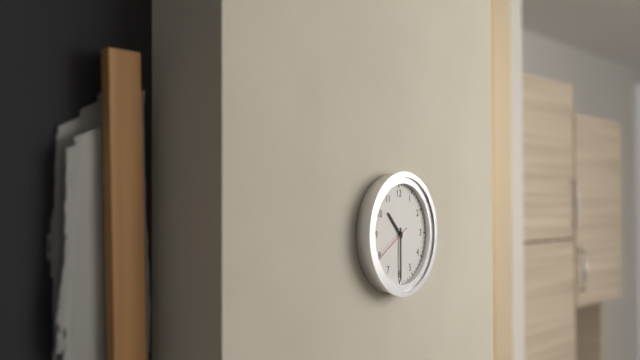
10:30
